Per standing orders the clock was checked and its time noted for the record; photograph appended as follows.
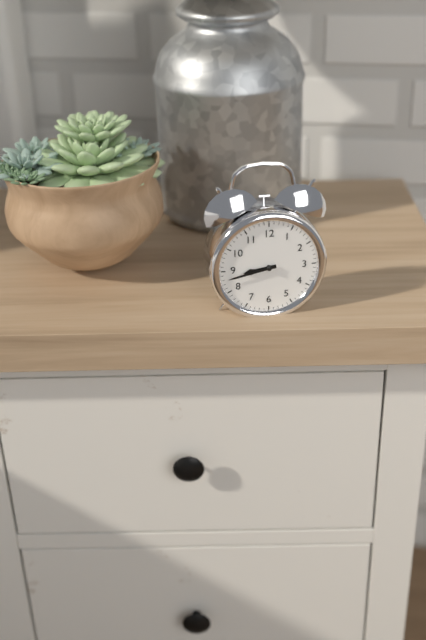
8:43
